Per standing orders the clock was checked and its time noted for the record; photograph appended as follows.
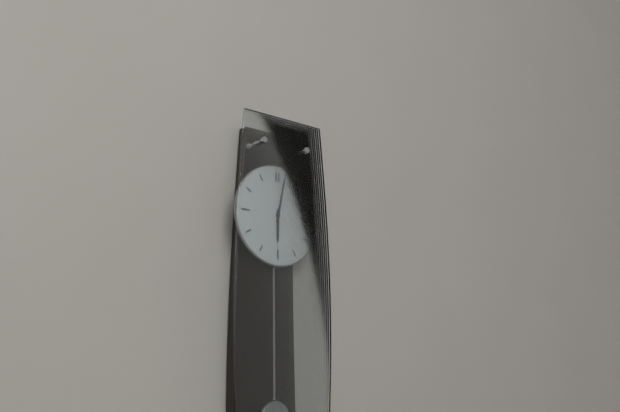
6:02
